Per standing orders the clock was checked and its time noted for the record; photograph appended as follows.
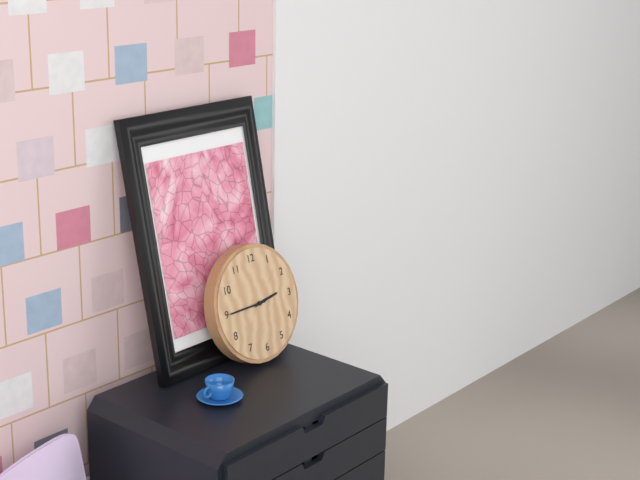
2:45
